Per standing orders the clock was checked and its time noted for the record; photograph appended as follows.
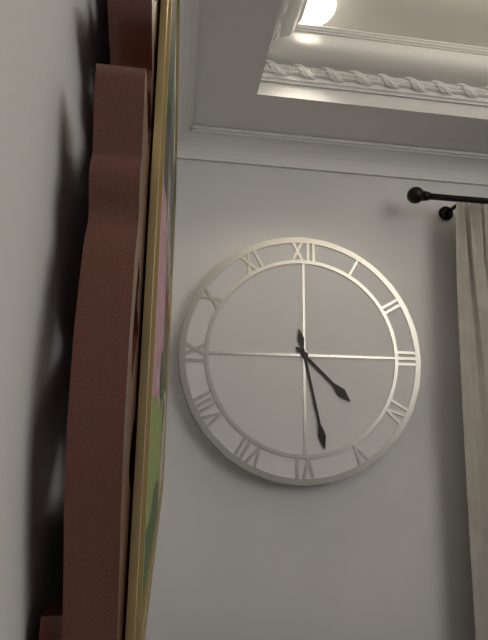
4:28
